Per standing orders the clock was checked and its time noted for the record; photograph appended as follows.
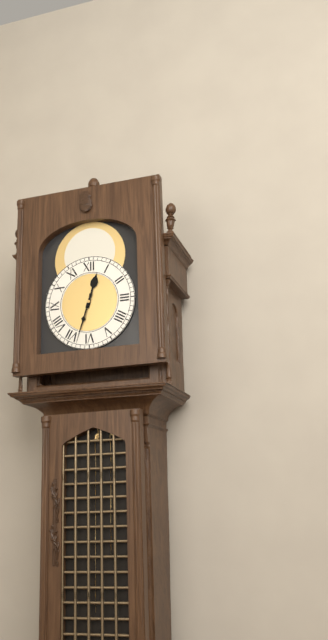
12:33
